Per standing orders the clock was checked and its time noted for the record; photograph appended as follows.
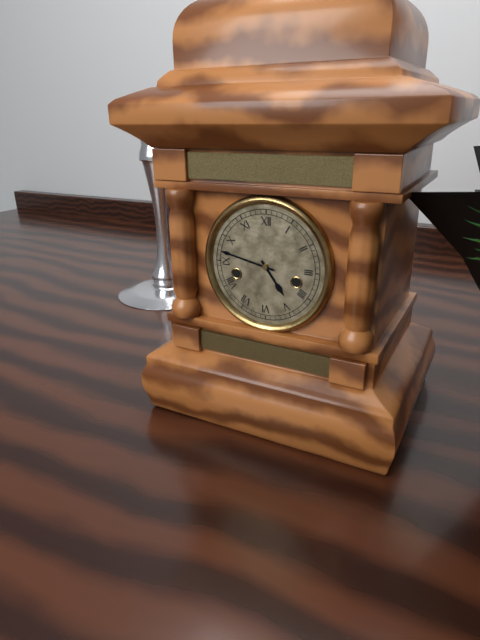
4:47
